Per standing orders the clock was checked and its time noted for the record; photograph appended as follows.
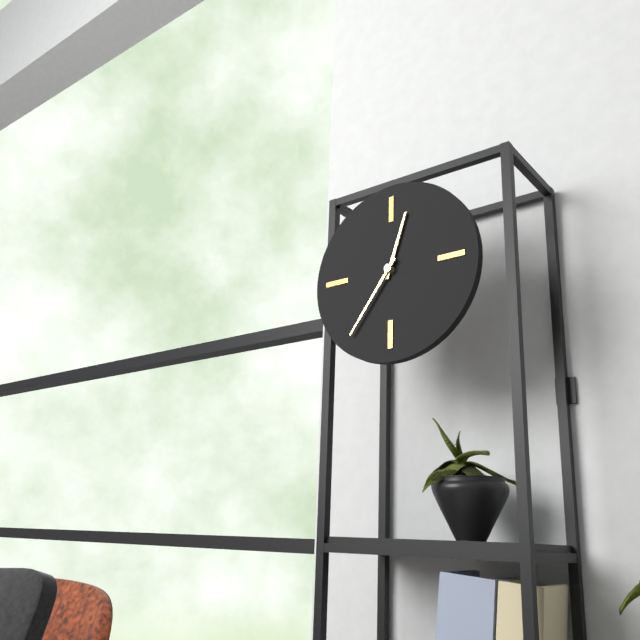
12:36
